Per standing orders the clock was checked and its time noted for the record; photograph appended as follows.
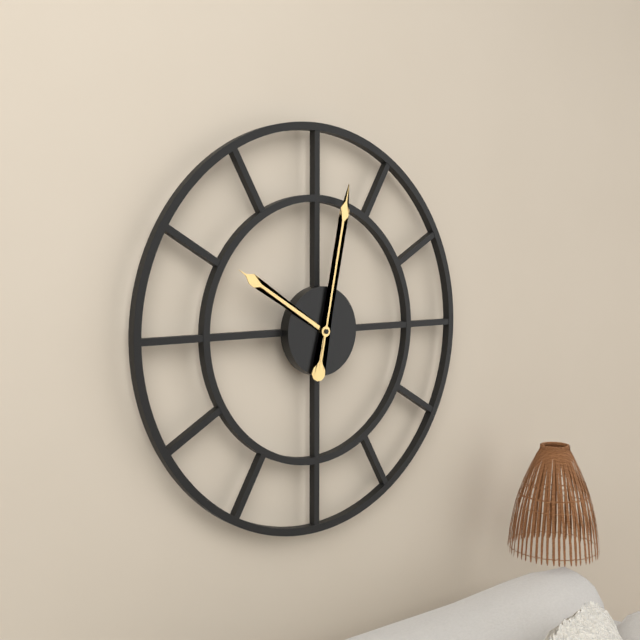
10:02
